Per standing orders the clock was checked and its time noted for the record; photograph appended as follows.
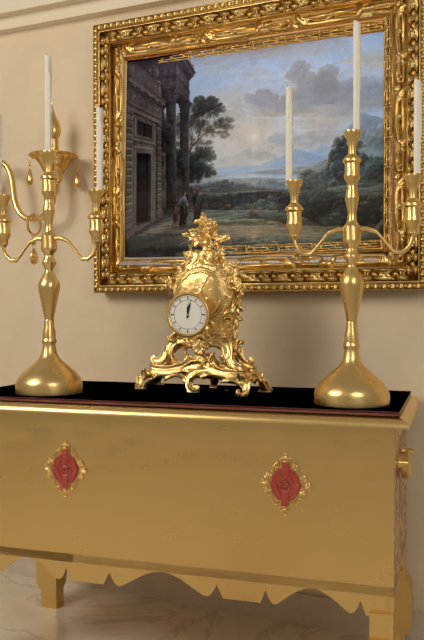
12:02
